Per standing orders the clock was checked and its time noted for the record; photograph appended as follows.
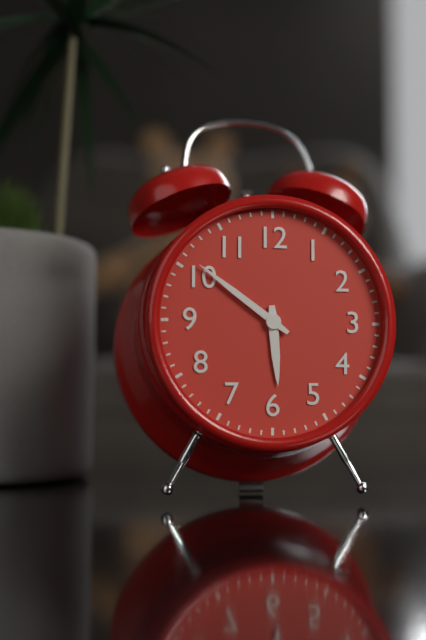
5:51
